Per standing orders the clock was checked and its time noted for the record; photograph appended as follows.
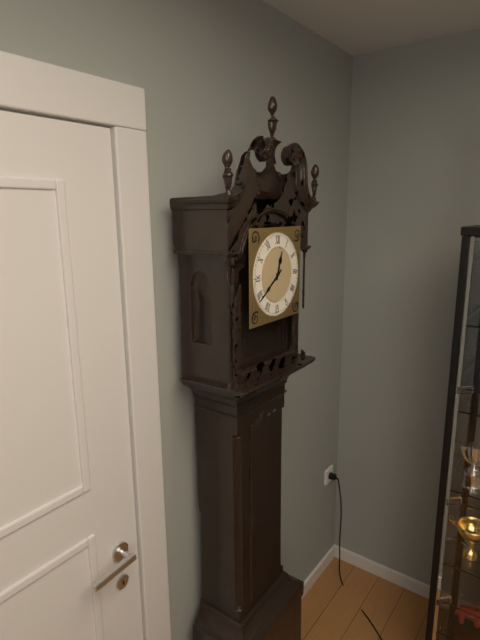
12:39
